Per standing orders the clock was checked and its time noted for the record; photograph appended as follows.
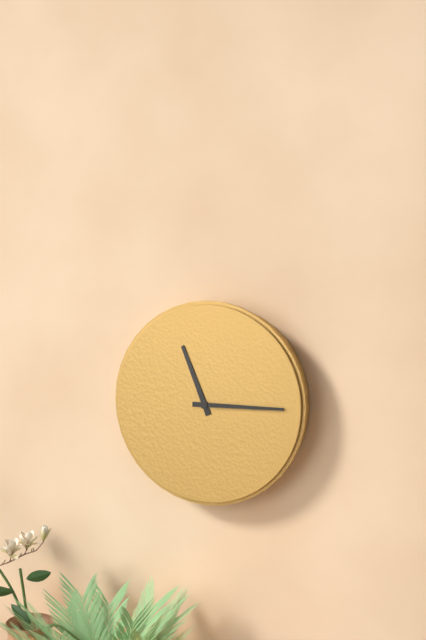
11:15
